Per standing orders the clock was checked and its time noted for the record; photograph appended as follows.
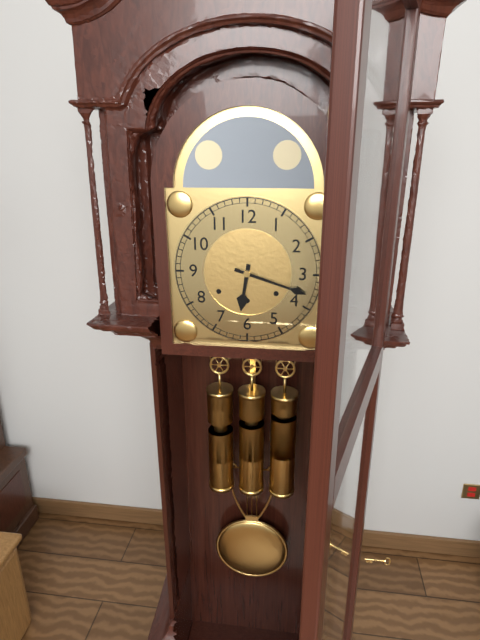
6:18
